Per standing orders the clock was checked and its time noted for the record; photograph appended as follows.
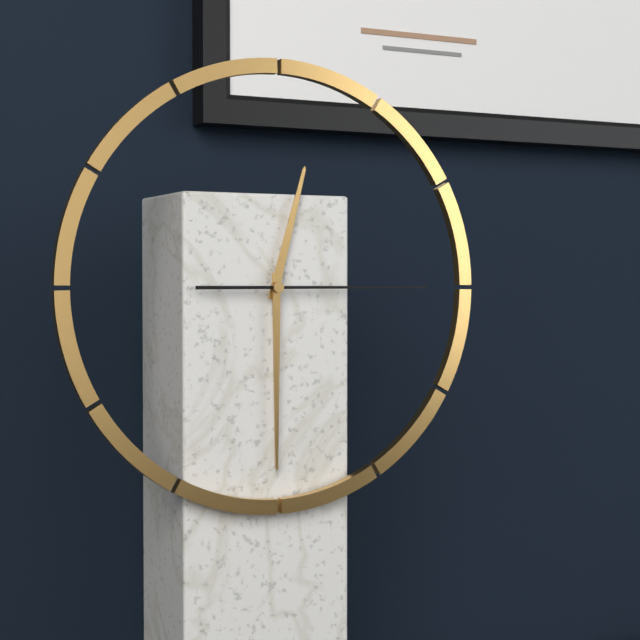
12:30:15
